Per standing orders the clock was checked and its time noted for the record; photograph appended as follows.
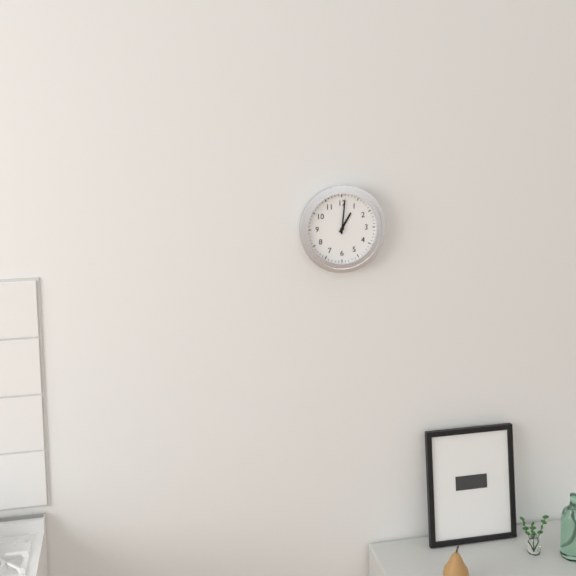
1:01
